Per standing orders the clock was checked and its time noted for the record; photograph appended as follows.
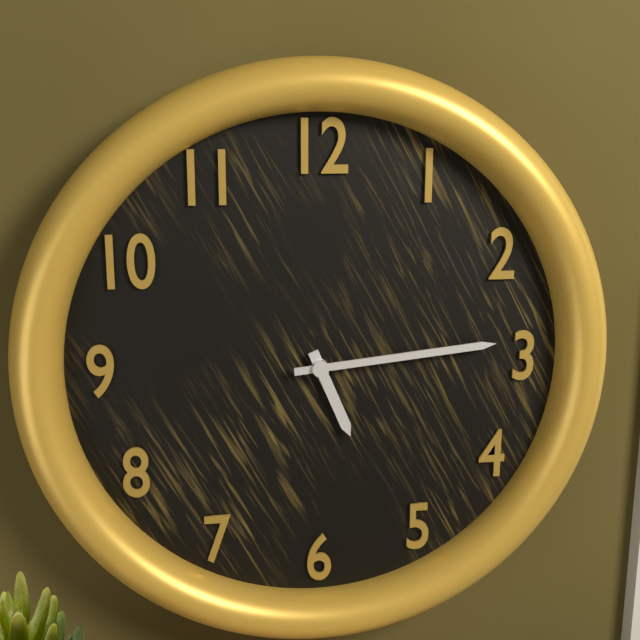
5:14
